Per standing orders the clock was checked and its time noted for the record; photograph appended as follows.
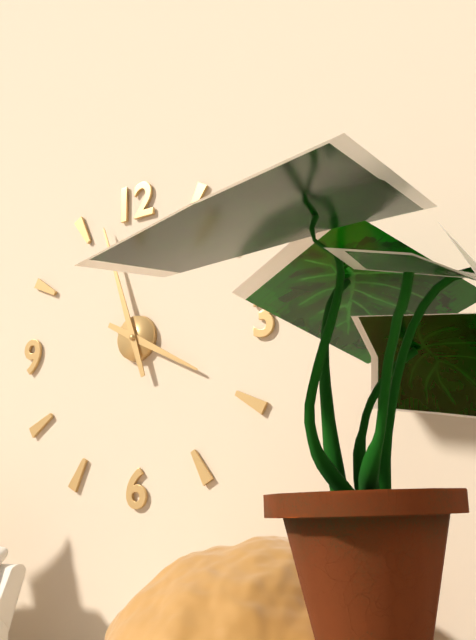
3:57
